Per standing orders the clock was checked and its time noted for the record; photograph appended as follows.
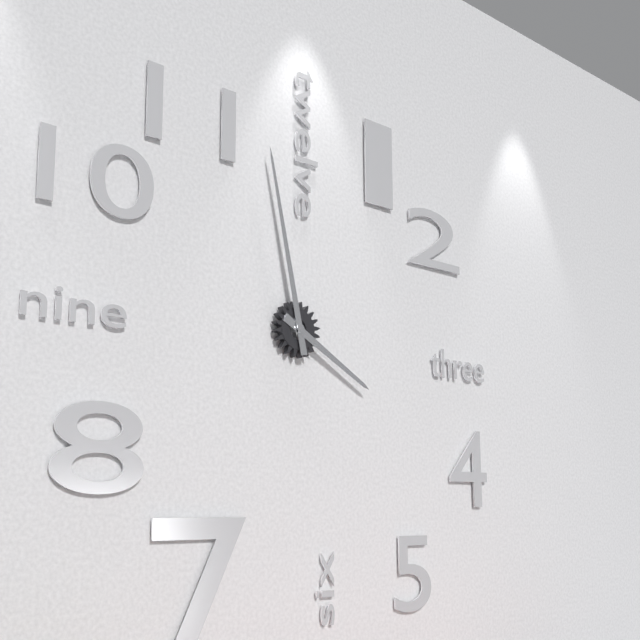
3:58
